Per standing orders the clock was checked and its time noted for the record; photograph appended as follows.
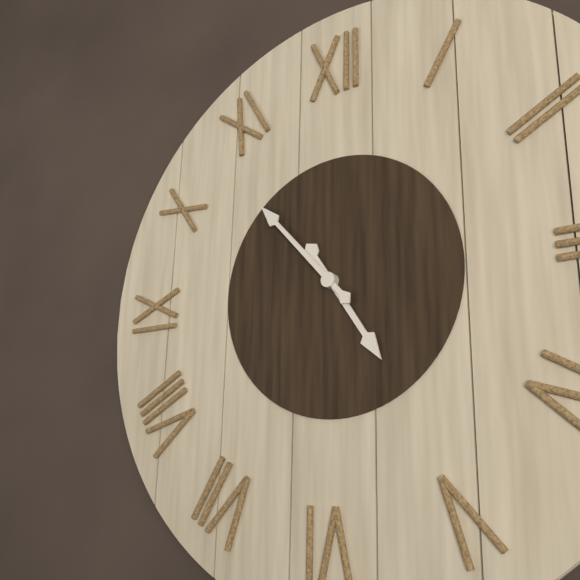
4:53
